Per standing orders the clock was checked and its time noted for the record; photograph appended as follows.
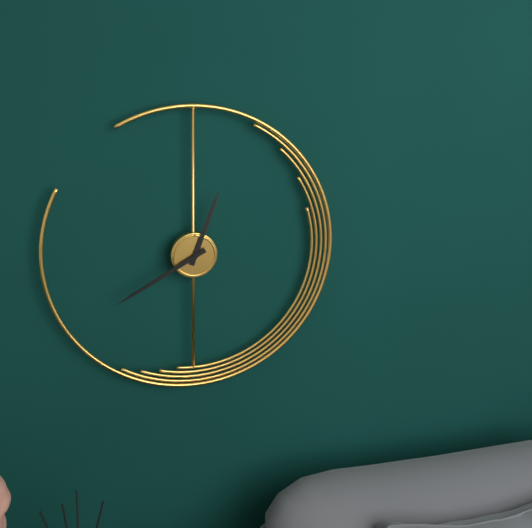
12:40
